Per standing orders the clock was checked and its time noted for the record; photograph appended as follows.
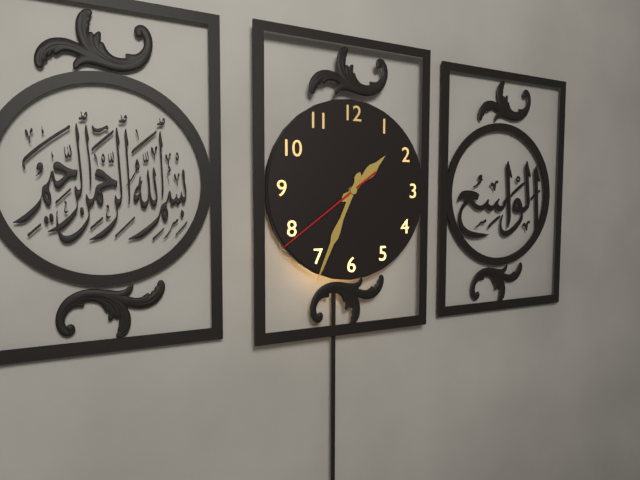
1:34:39
